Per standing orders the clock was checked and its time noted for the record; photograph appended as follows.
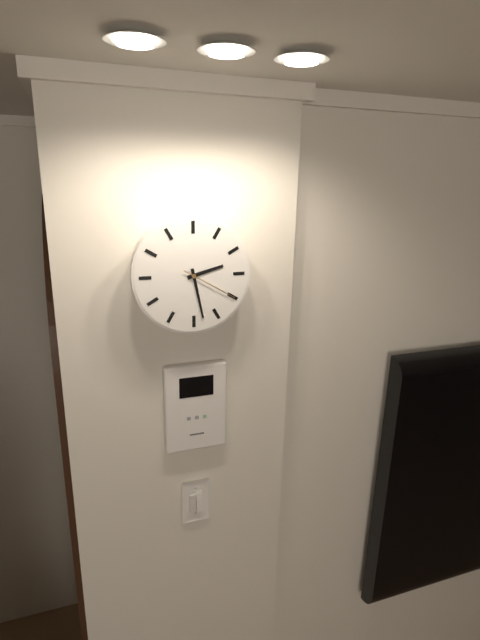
2:28:20
